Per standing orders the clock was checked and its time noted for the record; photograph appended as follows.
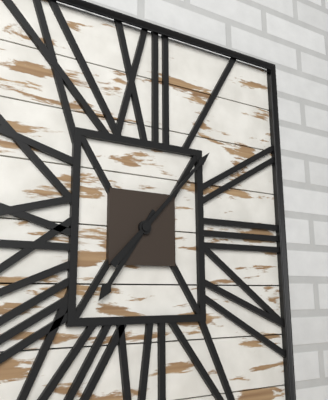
7:07
